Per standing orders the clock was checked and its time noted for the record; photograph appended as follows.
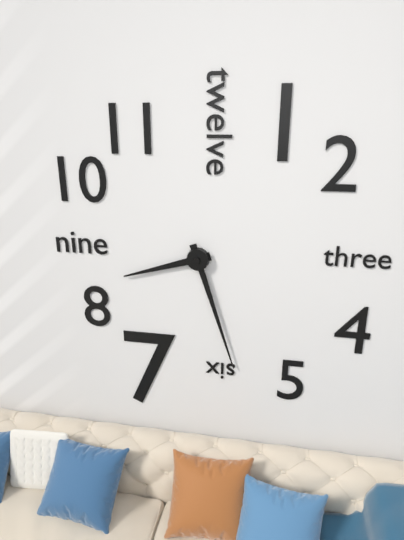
8:27
